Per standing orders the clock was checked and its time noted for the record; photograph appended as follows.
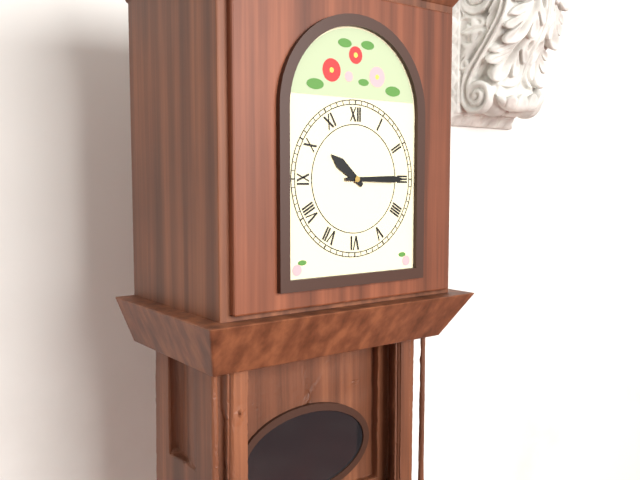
10:15
